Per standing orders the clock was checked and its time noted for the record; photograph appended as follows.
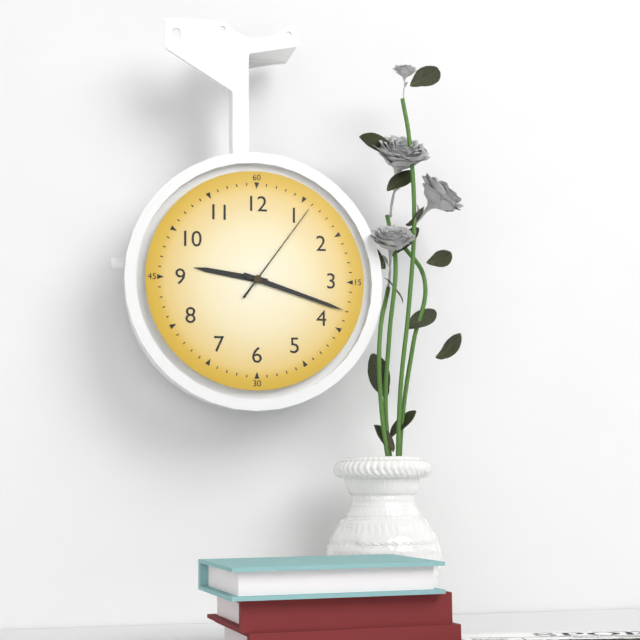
9:18:06
